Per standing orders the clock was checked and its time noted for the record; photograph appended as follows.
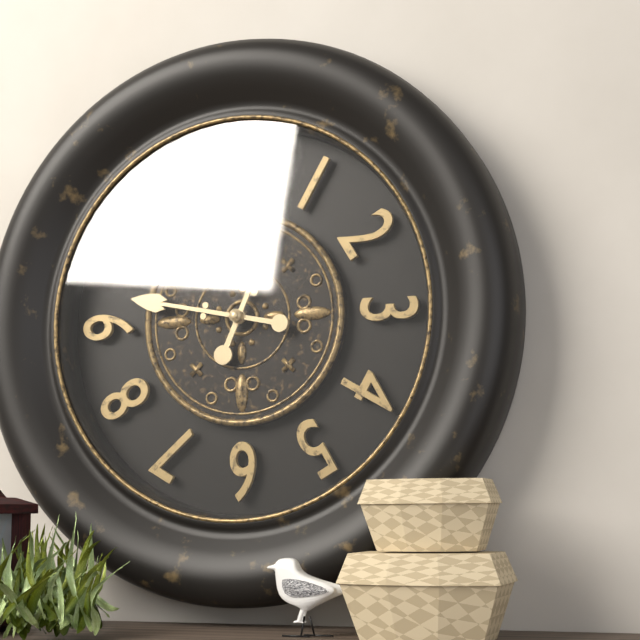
12:47
